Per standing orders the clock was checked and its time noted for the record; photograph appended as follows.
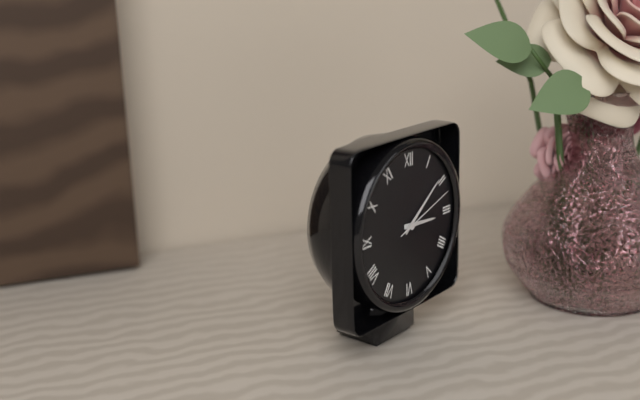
3:09:12
